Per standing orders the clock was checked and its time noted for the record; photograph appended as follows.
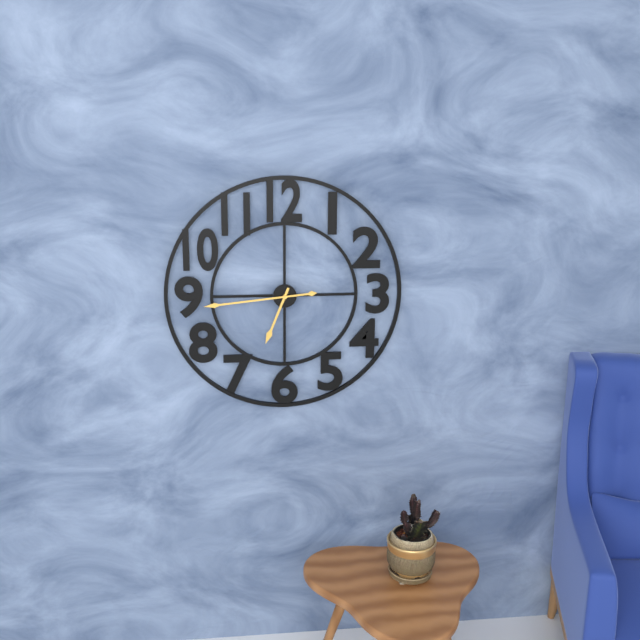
6:44
